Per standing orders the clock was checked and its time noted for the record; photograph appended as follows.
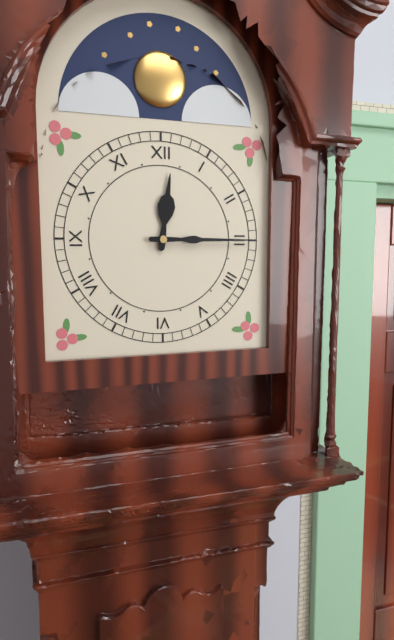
12:15
